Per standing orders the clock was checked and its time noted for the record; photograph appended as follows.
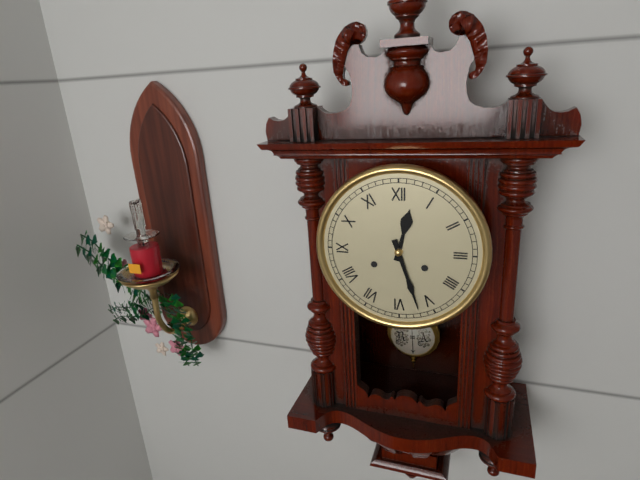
12:27
